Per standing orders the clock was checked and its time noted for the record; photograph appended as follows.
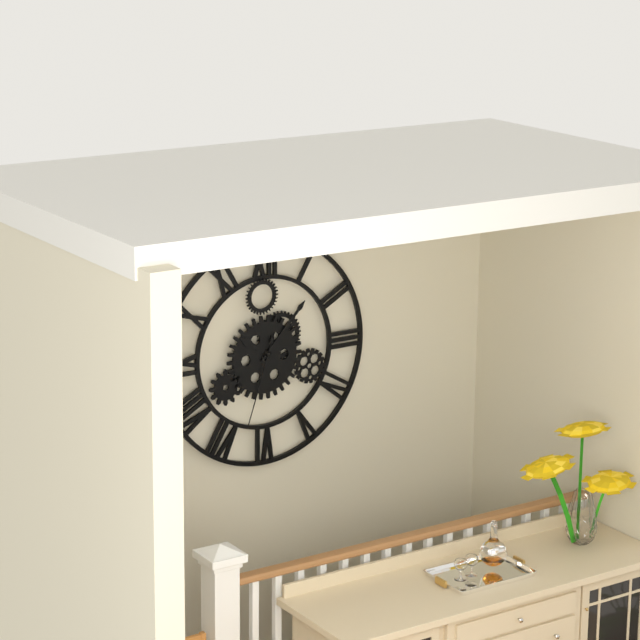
10:07:33
